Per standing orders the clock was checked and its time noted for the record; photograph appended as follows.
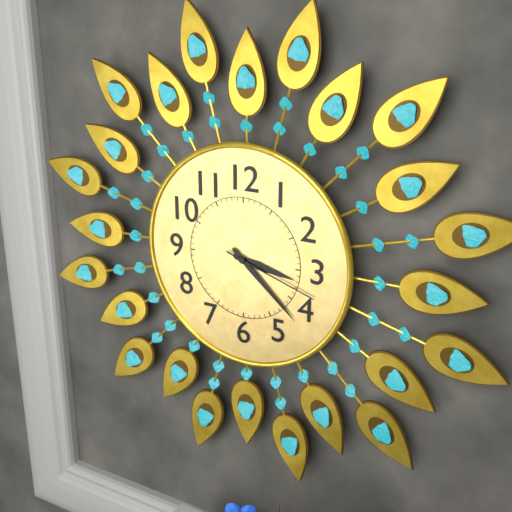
3:22:18
